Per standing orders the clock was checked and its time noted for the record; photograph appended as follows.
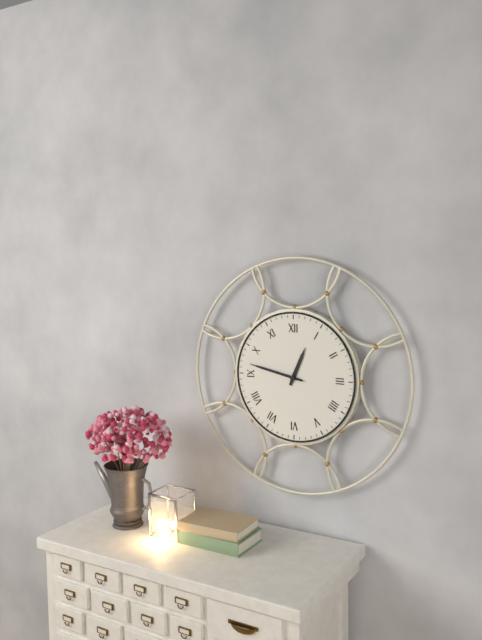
12:47
